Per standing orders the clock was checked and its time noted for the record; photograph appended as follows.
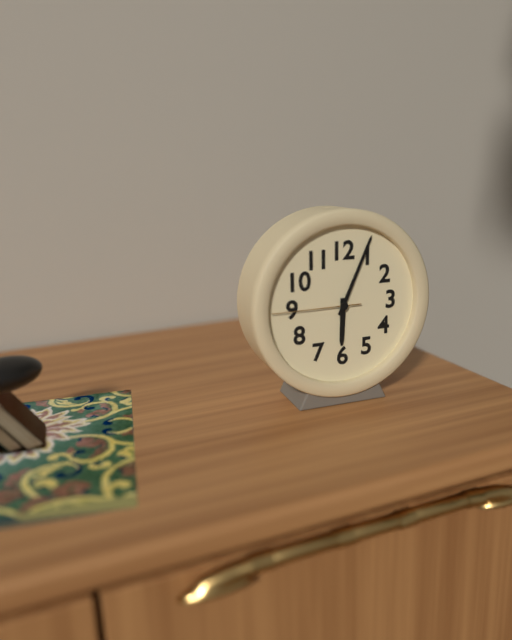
6:04:45
